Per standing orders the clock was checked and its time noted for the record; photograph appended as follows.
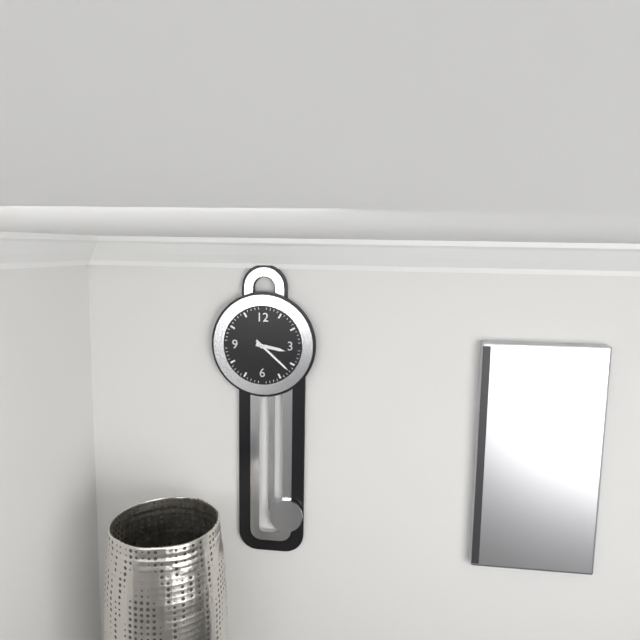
3:22
